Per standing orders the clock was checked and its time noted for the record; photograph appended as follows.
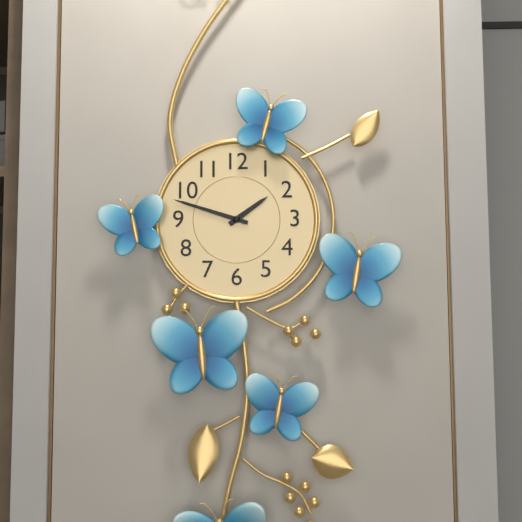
1:48
